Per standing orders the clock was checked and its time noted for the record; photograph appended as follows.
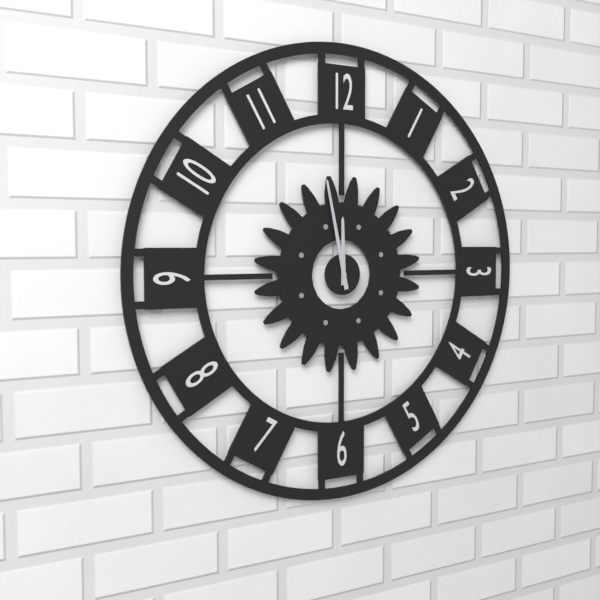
11:58
